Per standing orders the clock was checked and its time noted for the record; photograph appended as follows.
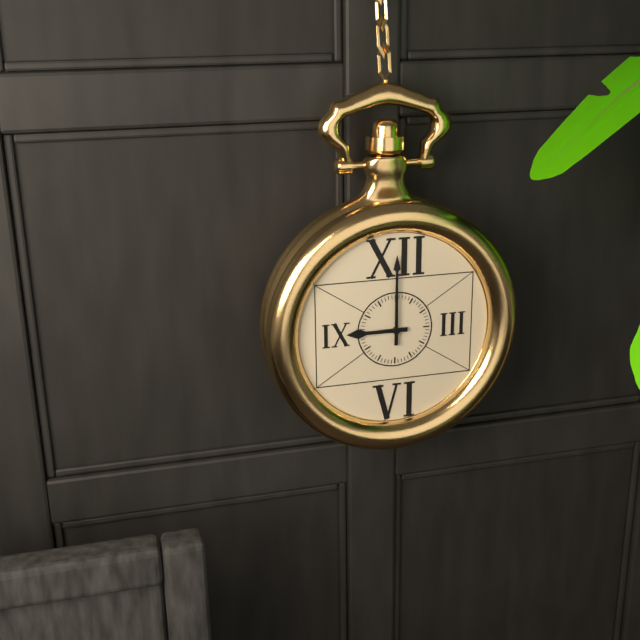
9:00
